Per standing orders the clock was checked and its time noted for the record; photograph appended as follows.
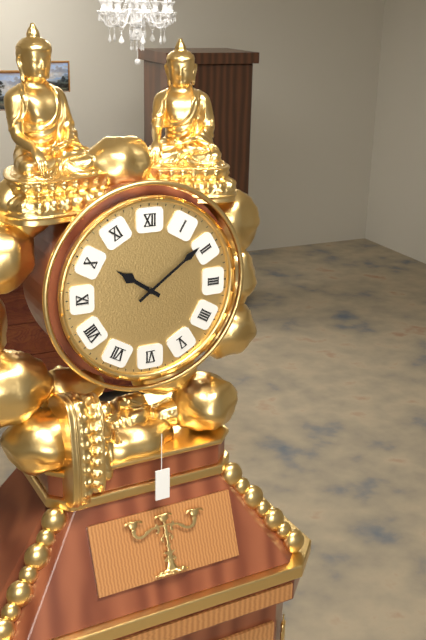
10:09
